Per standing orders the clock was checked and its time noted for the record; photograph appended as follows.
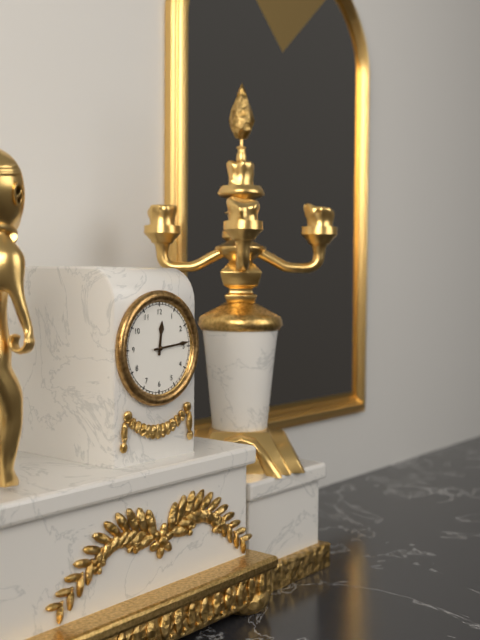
12:14
